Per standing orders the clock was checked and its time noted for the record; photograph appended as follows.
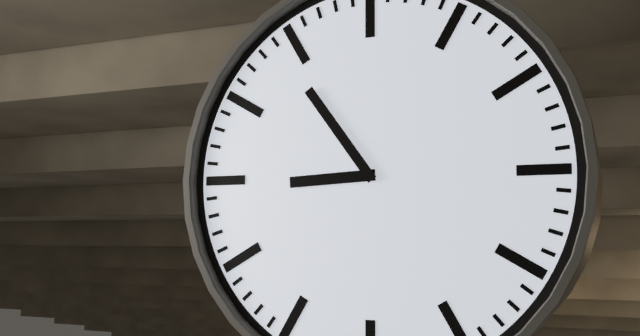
8:54
